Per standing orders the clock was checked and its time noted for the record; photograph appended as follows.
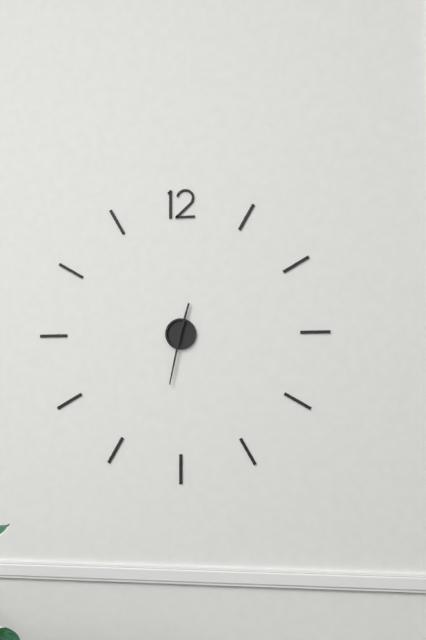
12:32
